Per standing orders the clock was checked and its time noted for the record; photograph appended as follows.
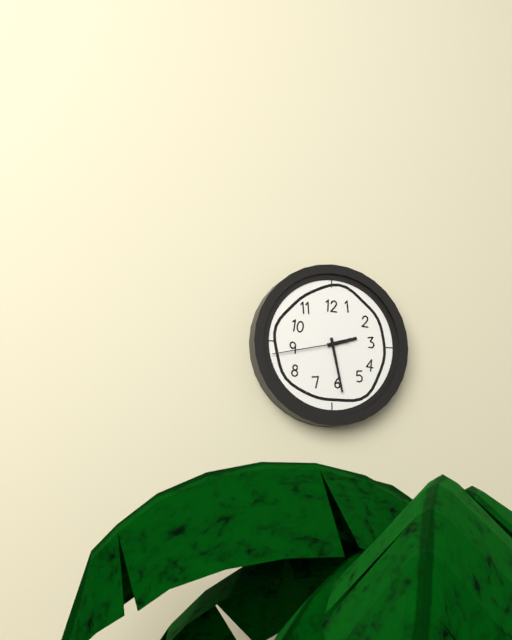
2:28:43
